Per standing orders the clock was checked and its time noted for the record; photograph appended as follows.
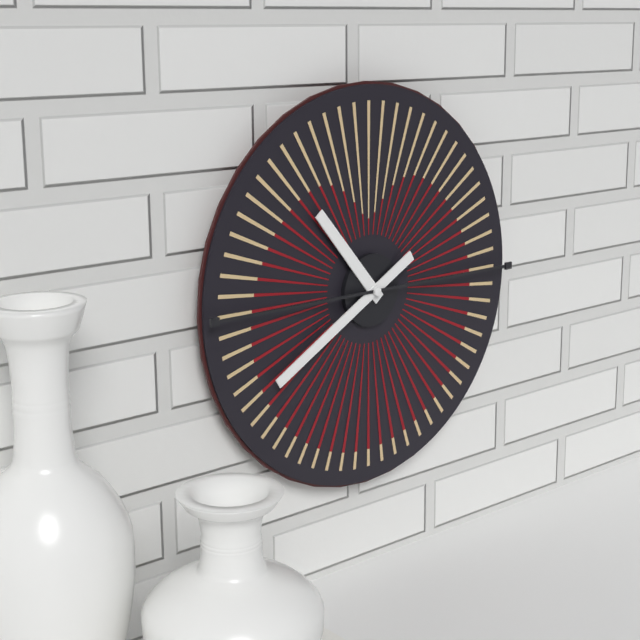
10:40
